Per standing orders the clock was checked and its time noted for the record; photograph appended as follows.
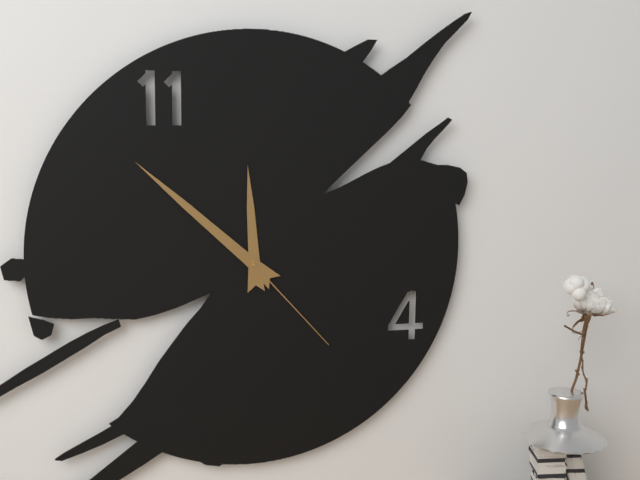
11:52:23
